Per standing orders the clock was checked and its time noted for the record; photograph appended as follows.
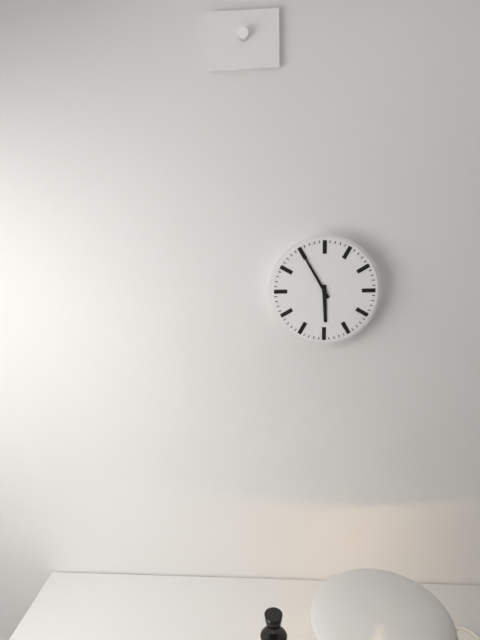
5:55
